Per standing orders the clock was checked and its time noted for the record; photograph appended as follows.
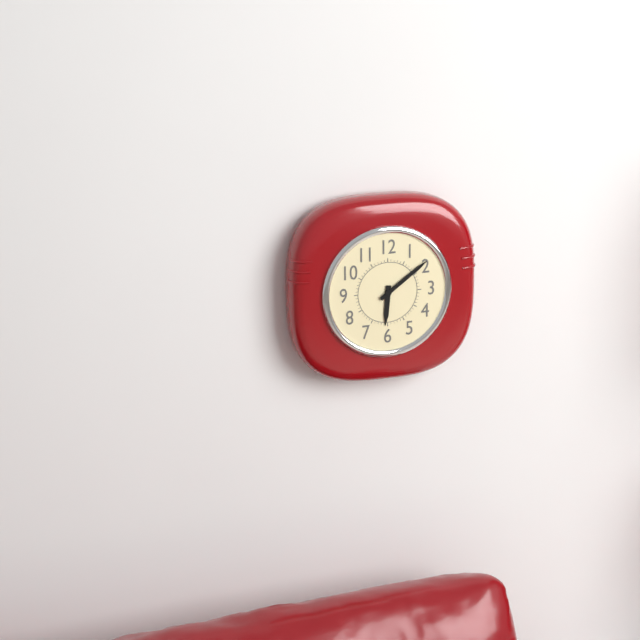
6:09
